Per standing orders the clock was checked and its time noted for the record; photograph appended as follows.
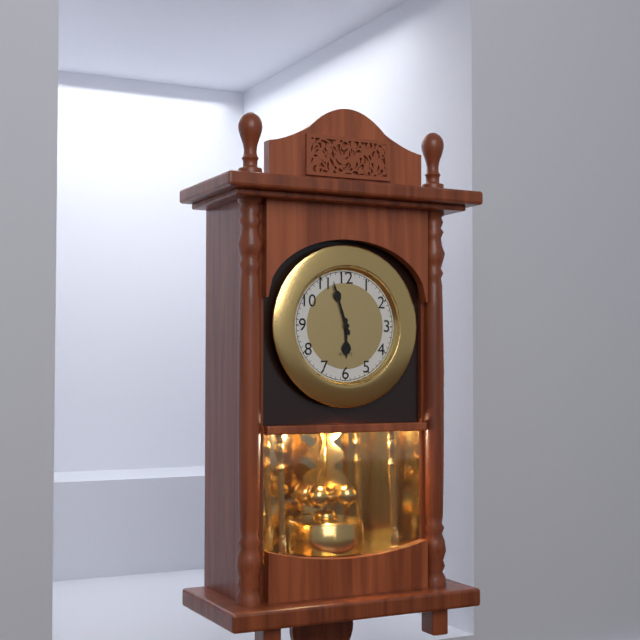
5:57
